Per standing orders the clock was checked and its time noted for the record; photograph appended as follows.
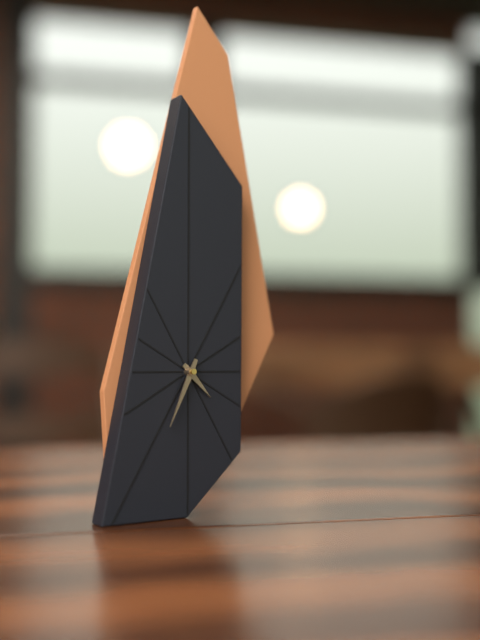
4:34
